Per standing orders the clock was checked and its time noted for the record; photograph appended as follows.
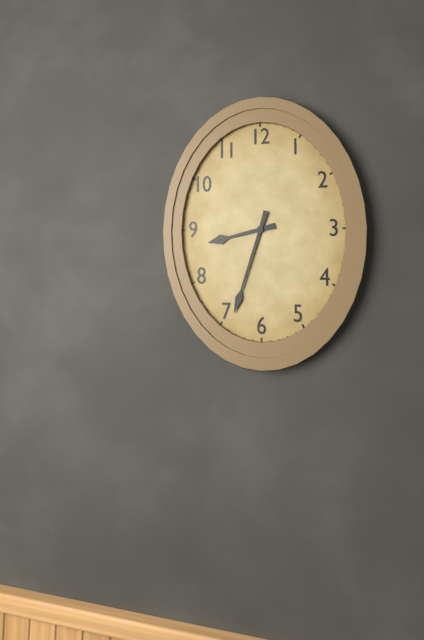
8:33
